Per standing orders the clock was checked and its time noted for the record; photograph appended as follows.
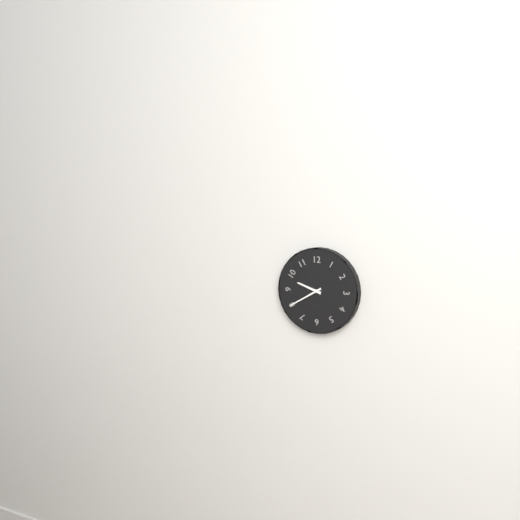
9:40
